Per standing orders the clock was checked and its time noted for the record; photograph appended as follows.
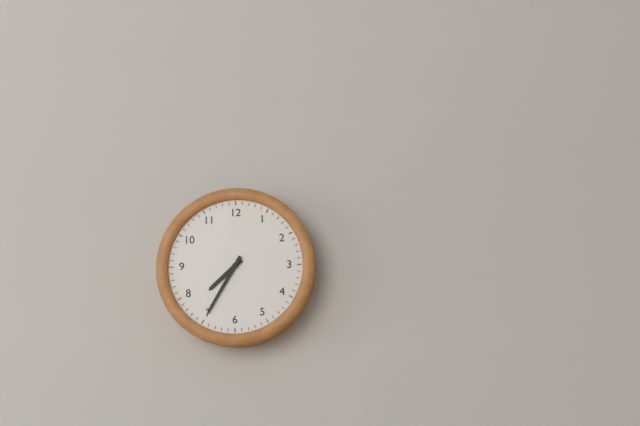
7:35
